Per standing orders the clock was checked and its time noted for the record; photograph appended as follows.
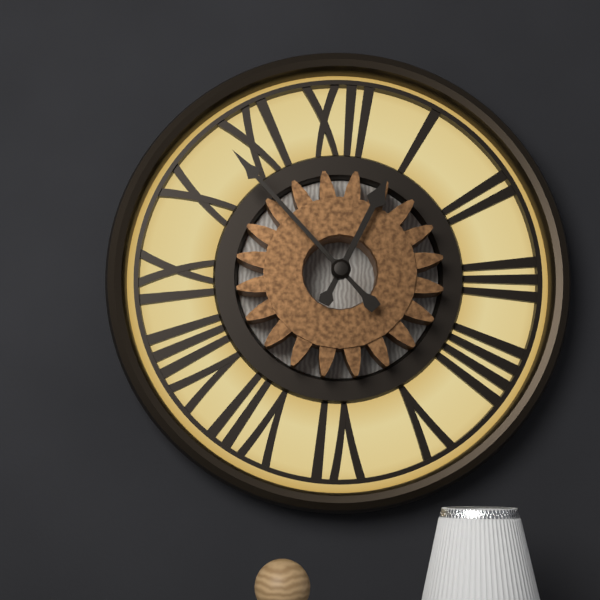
12:53
